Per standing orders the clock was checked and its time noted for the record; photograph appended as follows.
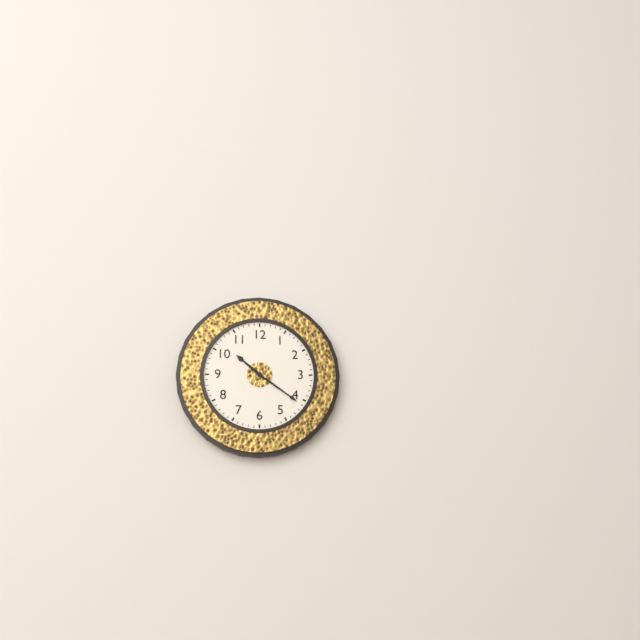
10:21
